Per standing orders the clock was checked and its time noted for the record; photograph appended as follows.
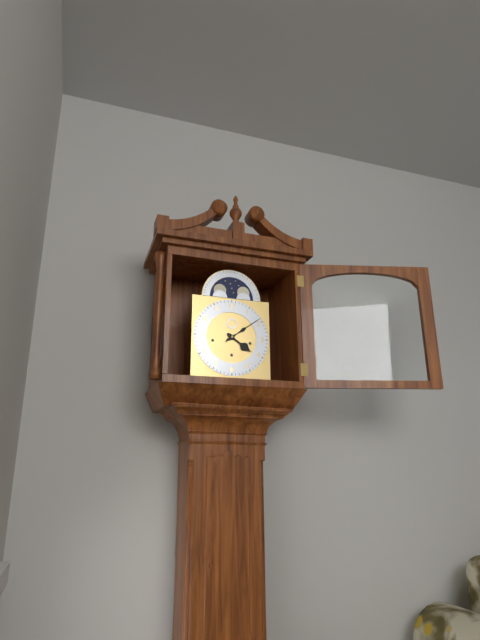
4:09
